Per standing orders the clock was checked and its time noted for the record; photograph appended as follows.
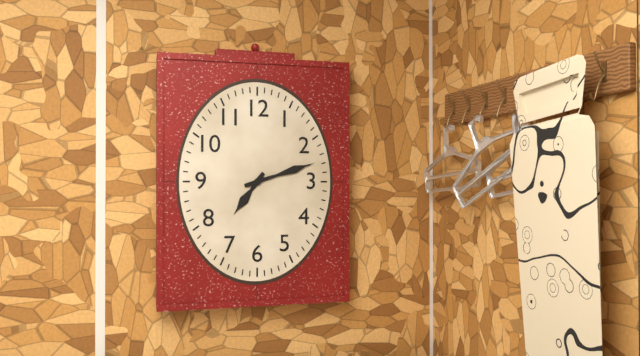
7:12
